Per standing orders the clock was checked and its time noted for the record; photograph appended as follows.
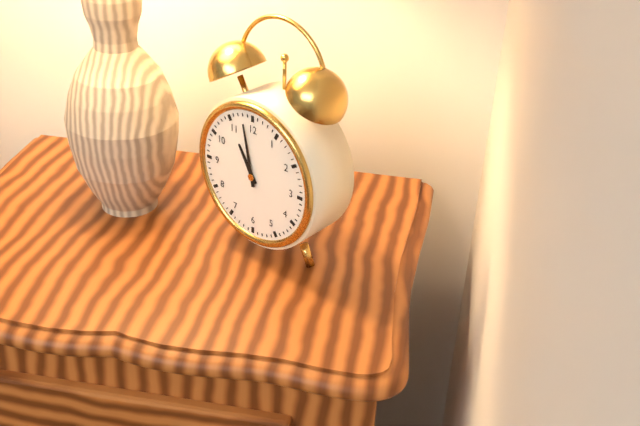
10:58
